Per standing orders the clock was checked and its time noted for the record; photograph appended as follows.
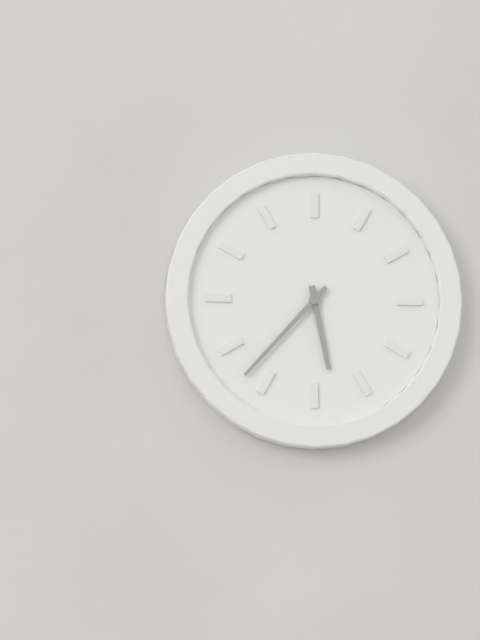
5:37
